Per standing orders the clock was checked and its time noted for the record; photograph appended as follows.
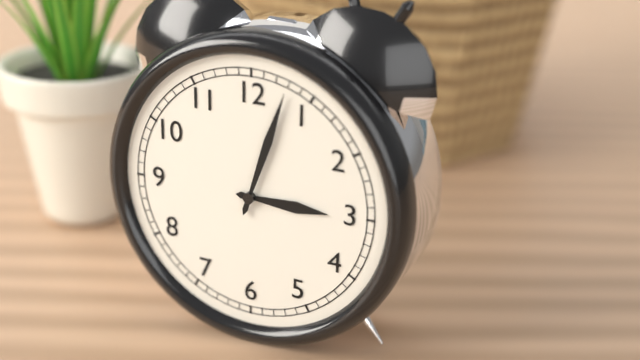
3:03
